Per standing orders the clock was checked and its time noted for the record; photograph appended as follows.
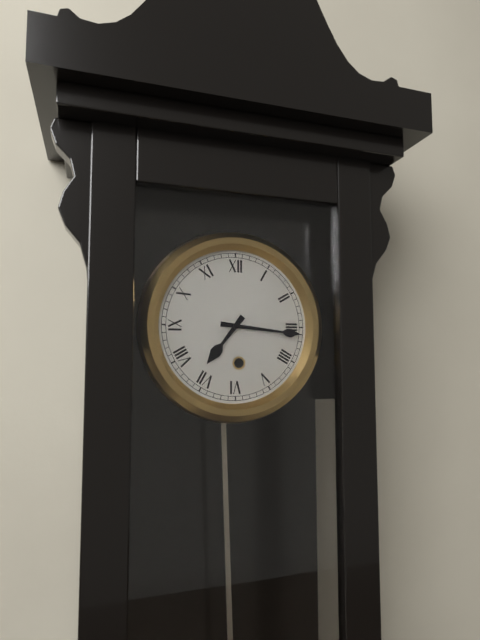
7:16
